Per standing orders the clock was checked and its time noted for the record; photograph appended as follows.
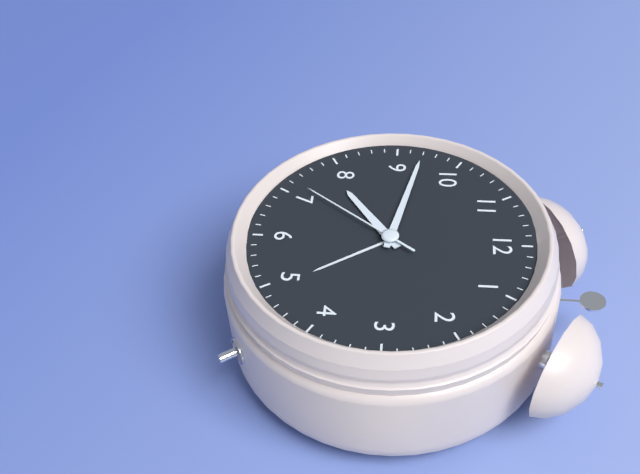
7:47:36
